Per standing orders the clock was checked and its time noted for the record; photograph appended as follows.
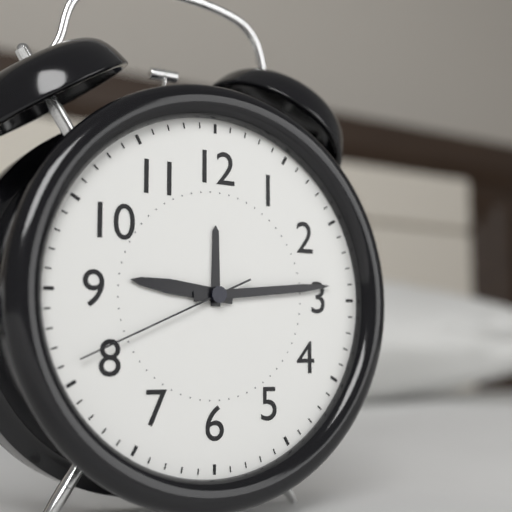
9:14:41
